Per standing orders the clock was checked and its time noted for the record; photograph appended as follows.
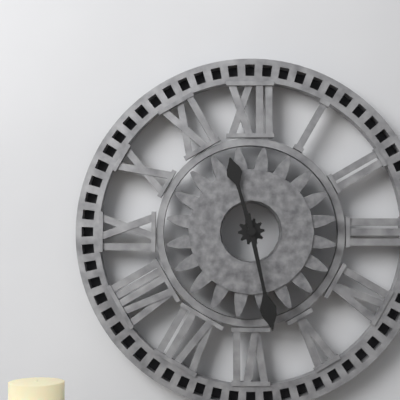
11:28
